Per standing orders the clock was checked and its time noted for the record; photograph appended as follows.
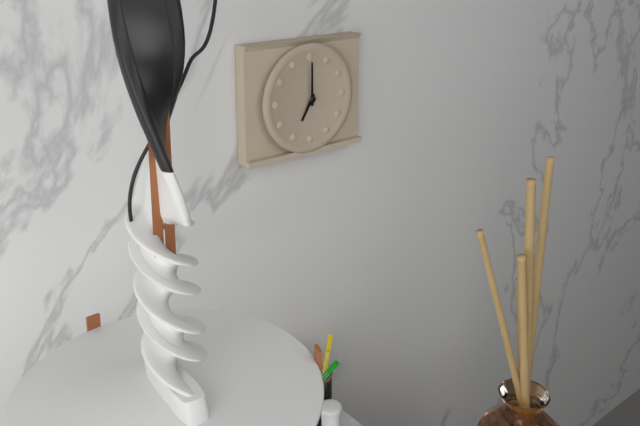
7:00
